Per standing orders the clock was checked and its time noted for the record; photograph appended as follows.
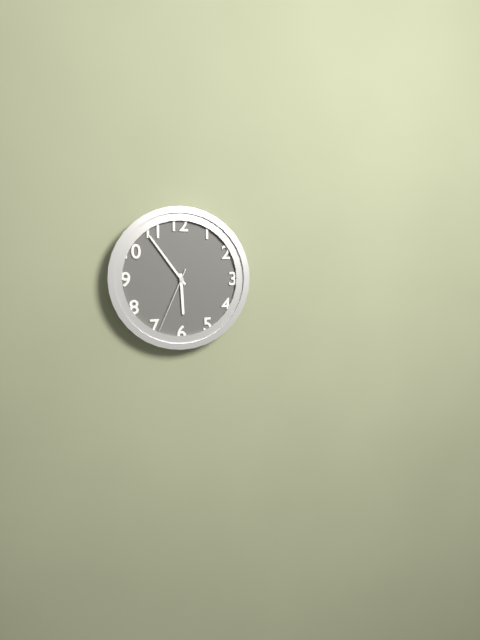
5:54:34
